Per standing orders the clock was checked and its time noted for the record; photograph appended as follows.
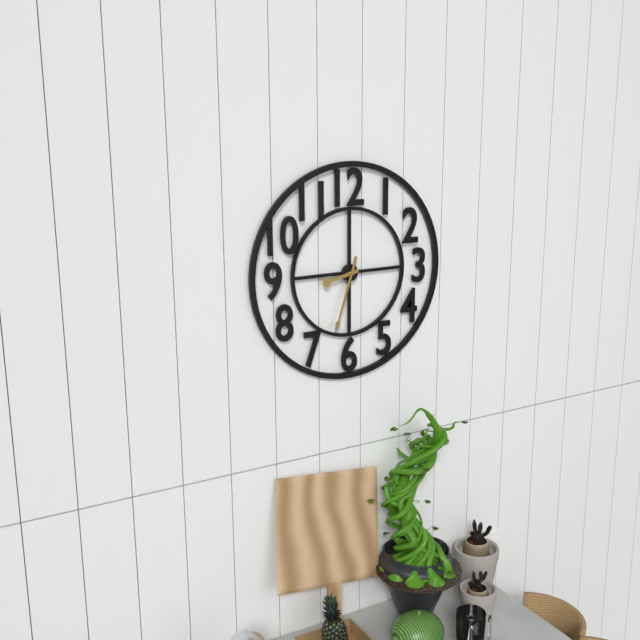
8:33
